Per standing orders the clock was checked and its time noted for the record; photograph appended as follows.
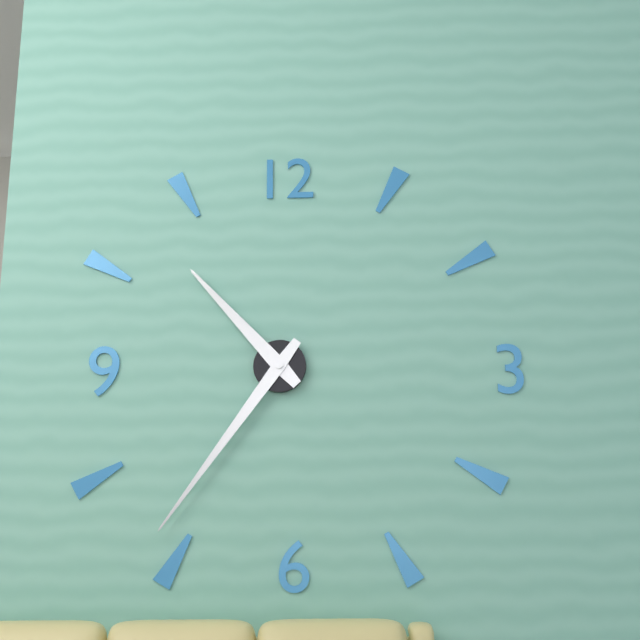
10:36
